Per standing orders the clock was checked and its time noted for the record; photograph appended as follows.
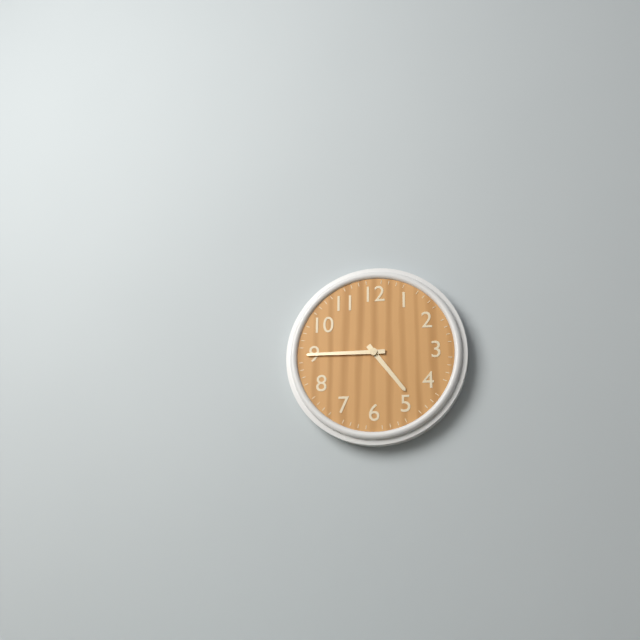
4:45
